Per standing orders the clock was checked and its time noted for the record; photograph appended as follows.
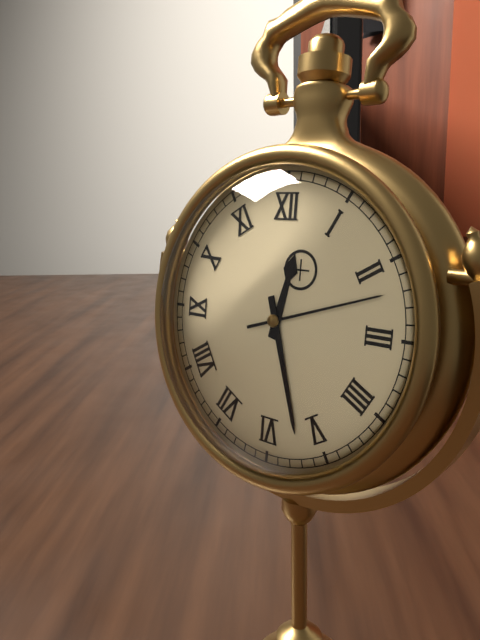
12:27:12
